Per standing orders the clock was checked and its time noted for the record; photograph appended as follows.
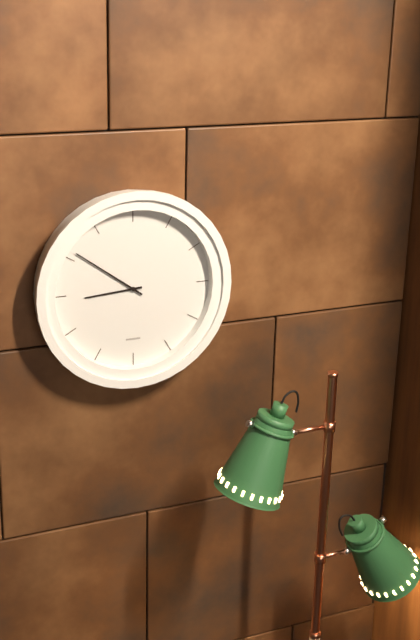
8:51
